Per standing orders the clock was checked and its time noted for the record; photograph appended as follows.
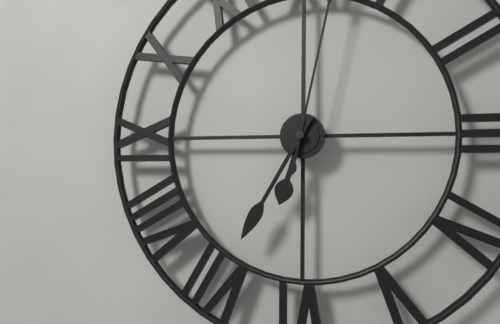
6:35
